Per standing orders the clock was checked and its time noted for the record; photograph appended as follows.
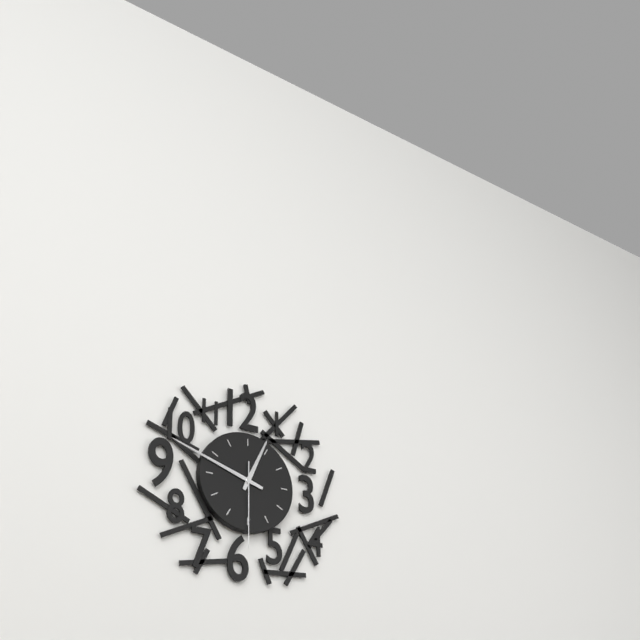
12:48:30
